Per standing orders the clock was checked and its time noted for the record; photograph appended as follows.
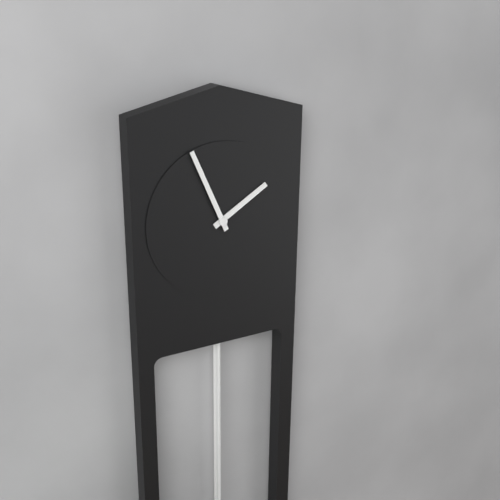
1:56
